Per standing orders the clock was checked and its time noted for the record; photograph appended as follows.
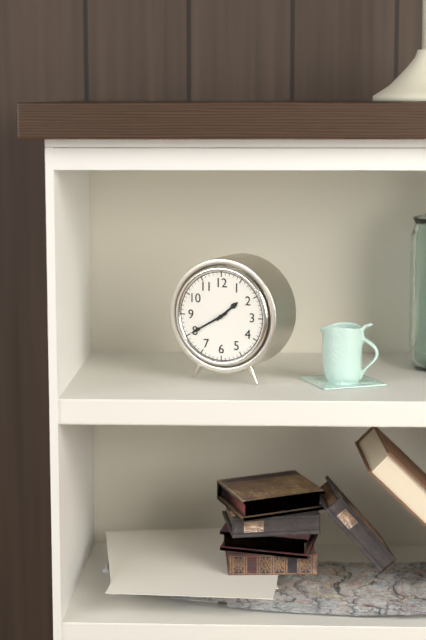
1:40
